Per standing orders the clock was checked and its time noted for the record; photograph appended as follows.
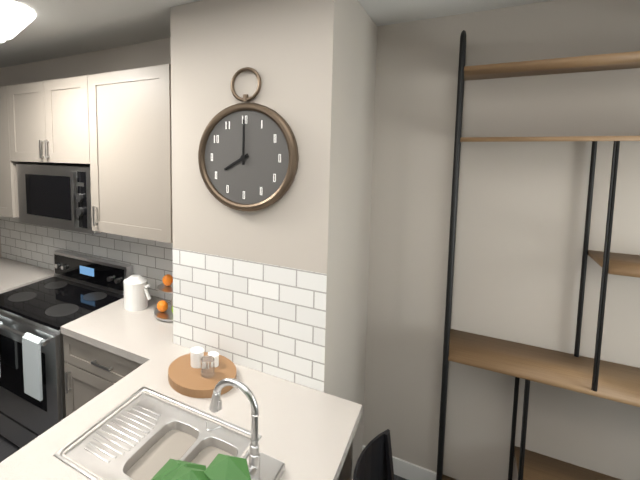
8:00
